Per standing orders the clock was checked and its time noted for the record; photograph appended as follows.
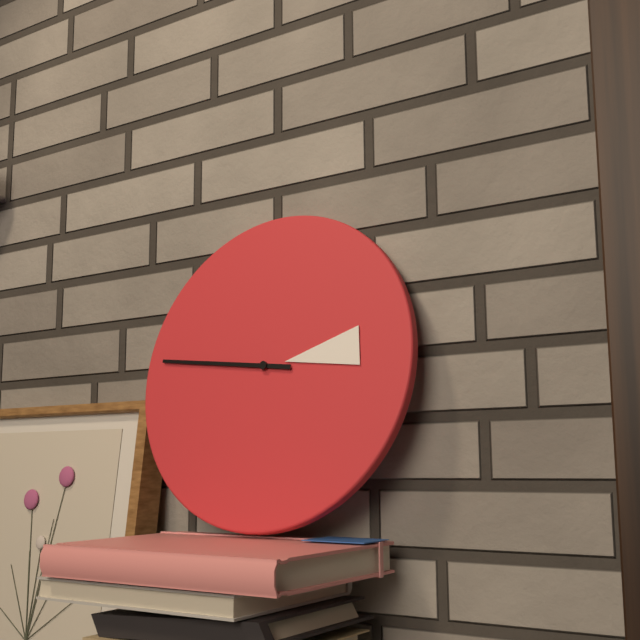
2:46
